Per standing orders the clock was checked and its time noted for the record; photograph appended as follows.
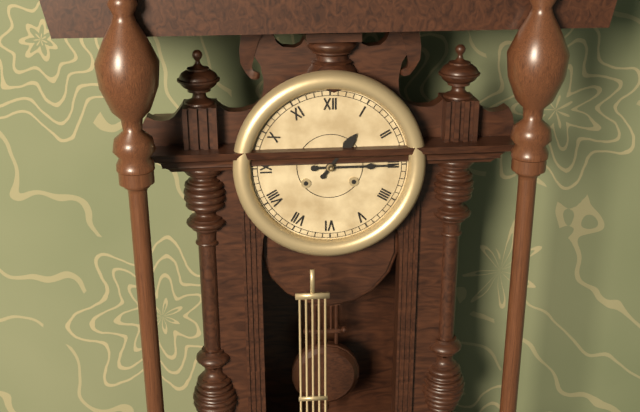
1:15
